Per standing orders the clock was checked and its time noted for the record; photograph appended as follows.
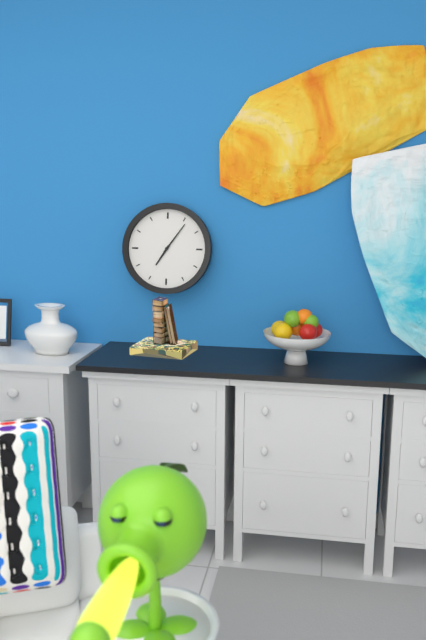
7:06
